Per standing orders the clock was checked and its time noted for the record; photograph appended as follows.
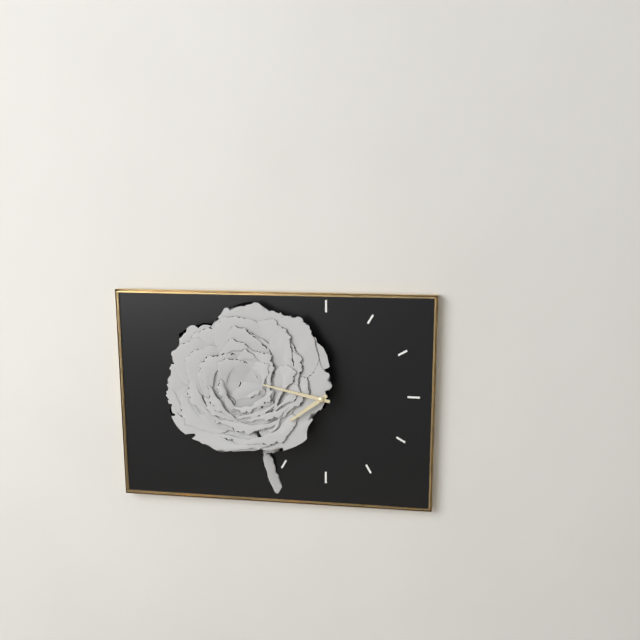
7:47
